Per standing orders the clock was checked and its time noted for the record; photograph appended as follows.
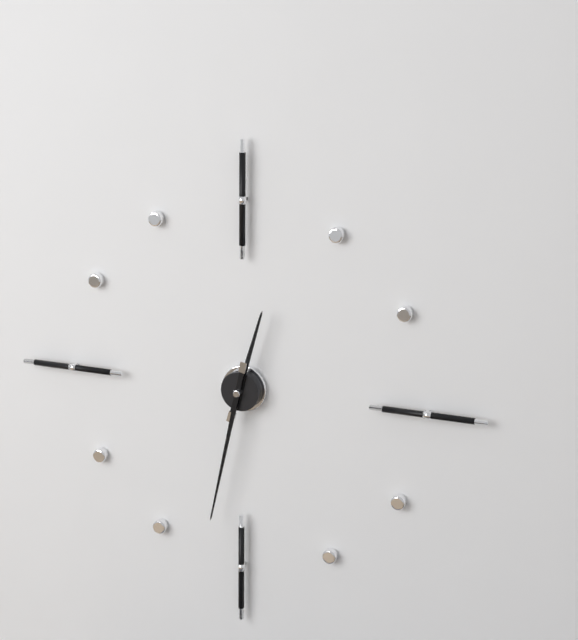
12:32
